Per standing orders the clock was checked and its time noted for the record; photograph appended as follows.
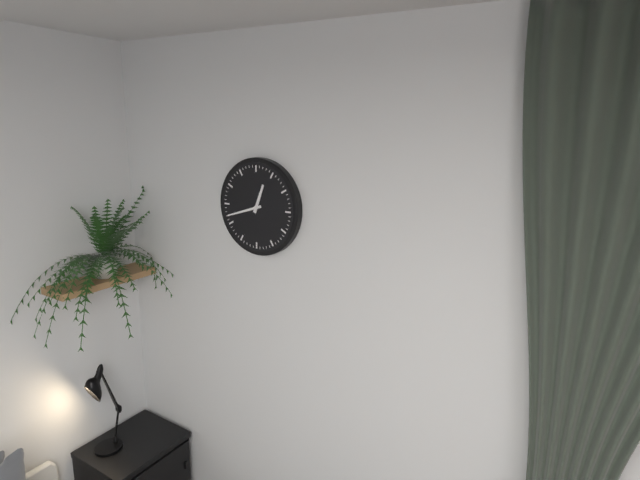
12:42
